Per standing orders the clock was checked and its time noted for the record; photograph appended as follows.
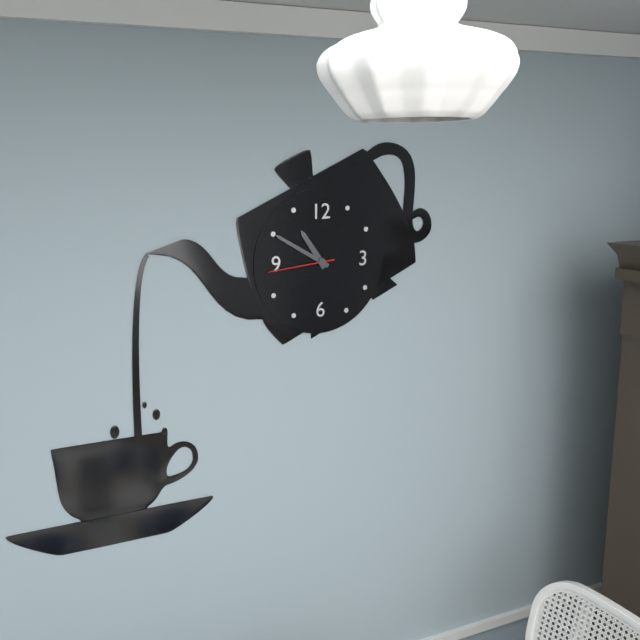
10:50:44
